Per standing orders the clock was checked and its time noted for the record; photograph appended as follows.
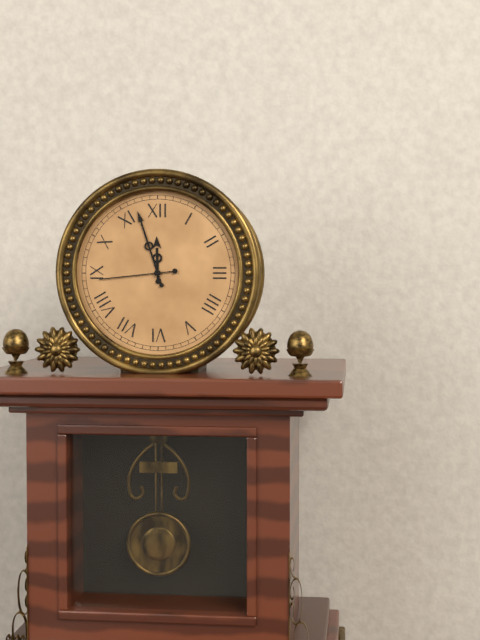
11:57:44
